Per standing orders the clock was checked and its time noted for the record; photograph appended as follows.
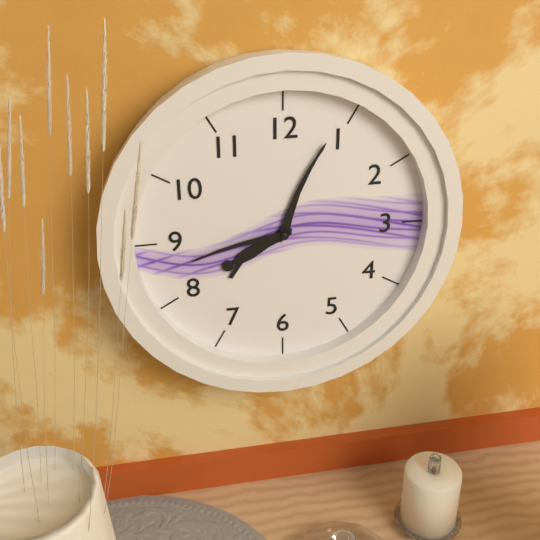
8:04:43
